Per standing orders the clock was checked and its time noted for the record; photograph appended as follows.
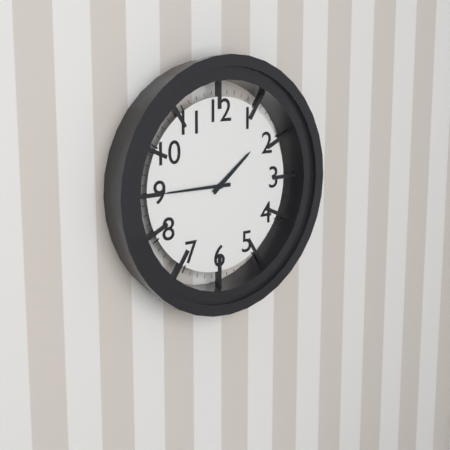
1:45
